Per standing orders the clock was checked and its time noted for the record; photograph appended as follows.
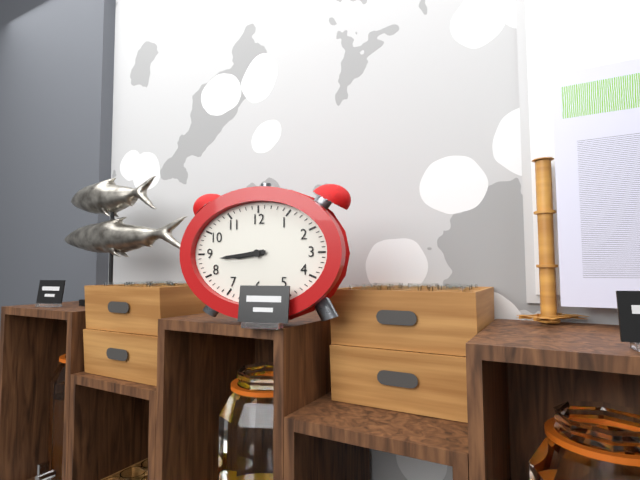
8:44
